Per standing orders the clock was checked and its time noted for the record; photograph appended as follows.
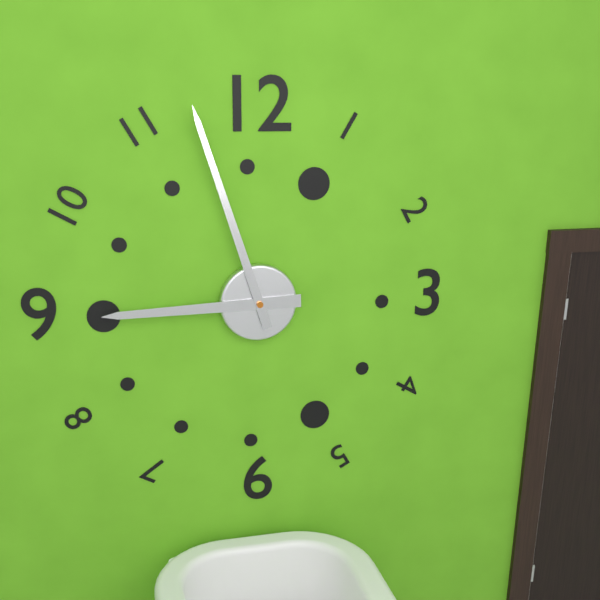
8:57
